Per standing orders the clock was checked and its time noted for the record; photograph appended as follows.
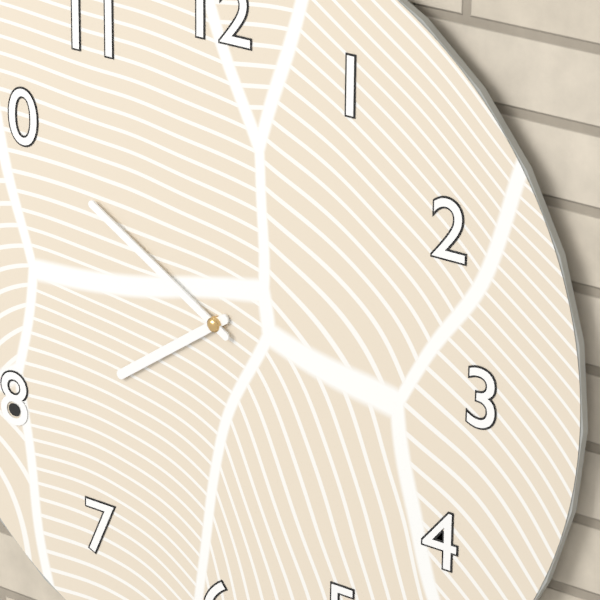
7:50
